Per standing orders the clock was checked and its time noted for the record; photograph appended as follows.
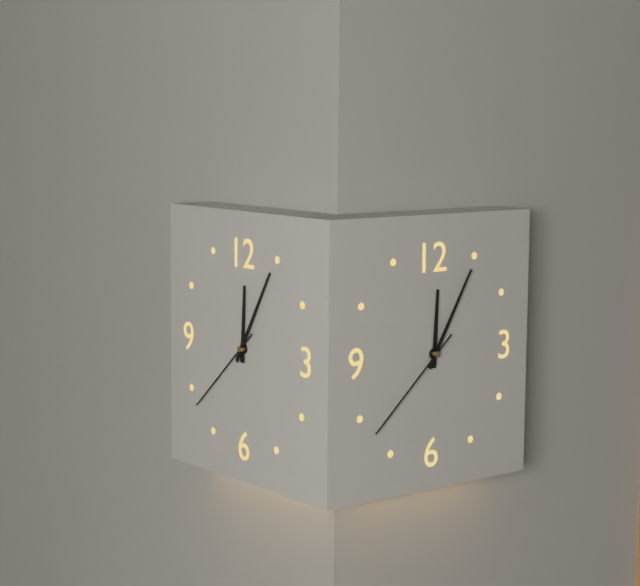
12:05:38
